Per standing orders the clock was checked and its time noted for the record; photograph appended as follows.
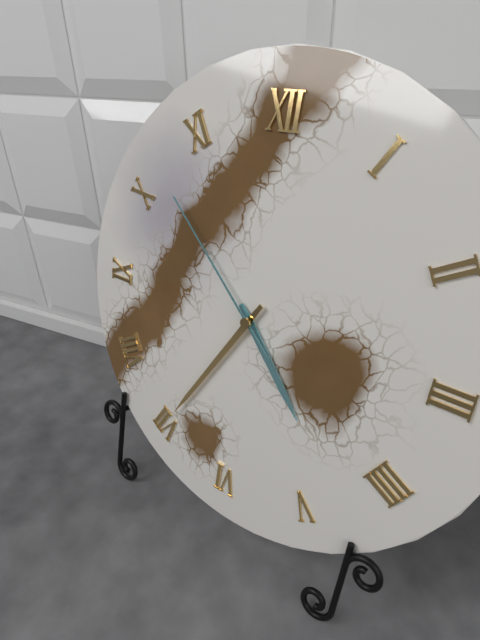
4:35:52
